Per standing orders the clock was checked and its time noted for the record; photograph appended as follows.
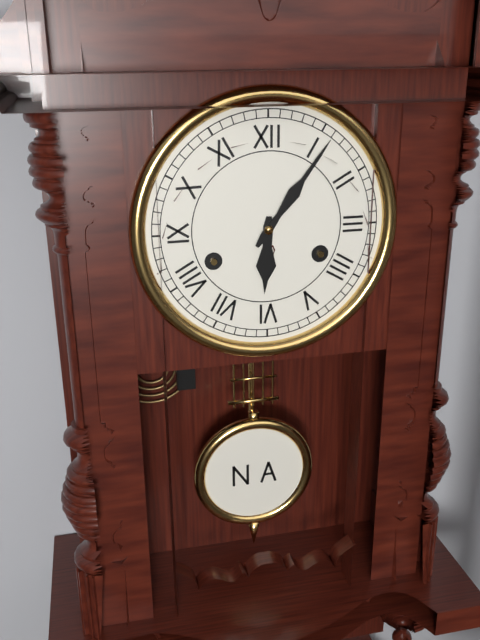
6:06
